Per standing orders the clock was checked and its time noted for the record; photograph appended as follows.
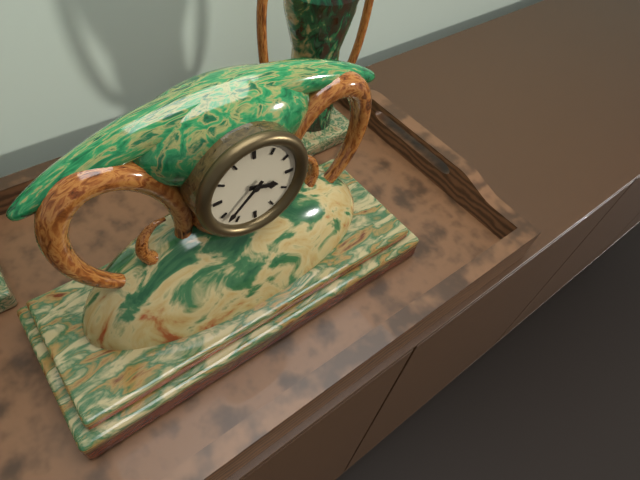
3:38
